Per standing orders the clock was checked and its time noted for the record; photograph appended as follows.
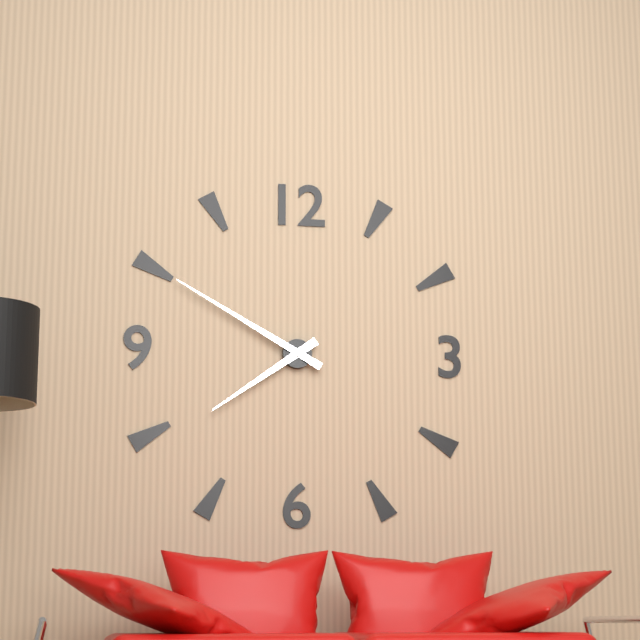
7:50
